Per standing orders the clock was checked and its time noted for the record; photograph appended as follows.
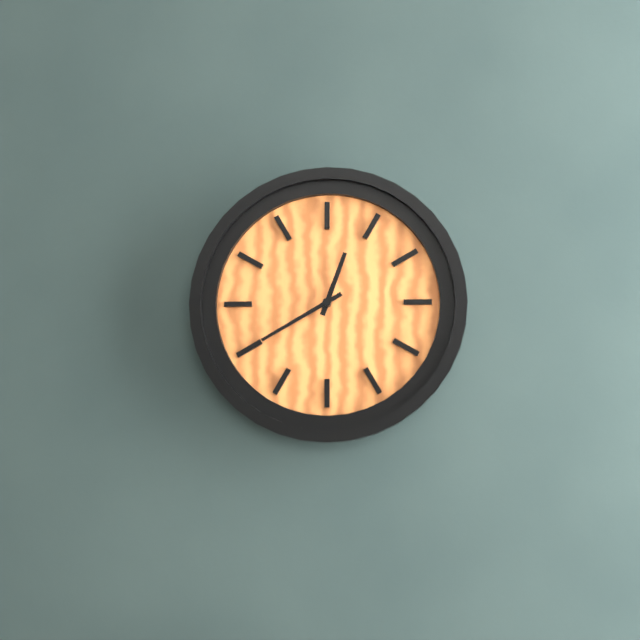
12:40
